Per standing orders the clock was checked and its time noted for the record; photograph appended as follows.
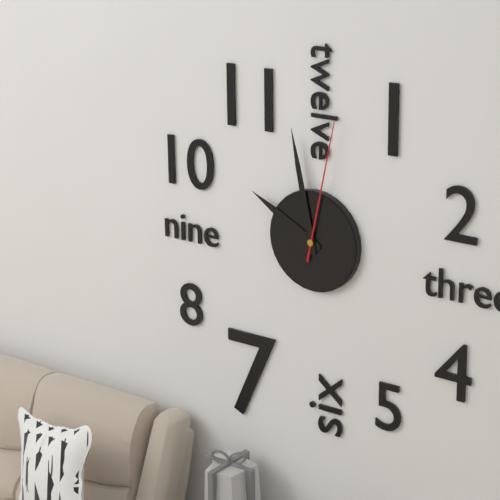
9:58:02
